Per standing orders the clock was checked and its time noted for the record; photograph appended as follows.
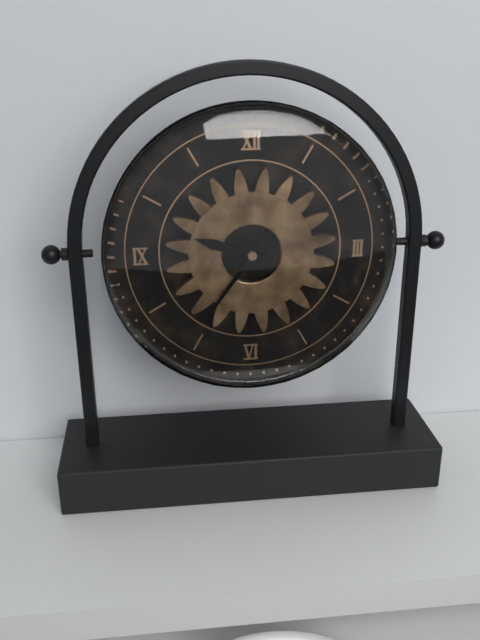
9:36
